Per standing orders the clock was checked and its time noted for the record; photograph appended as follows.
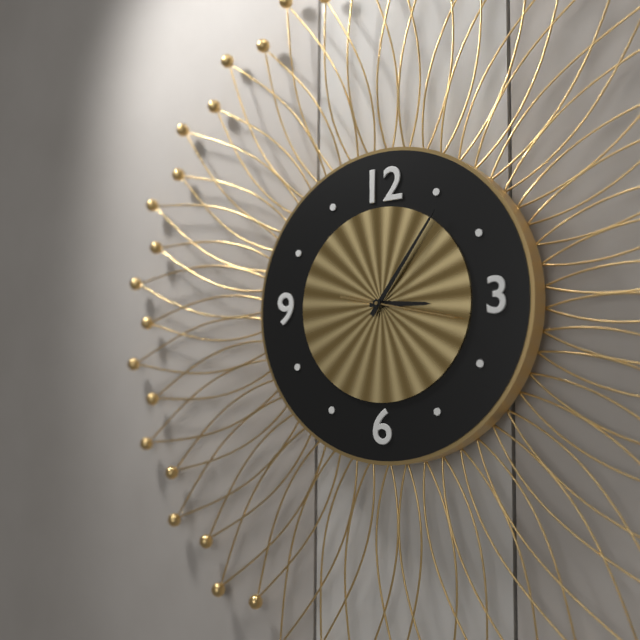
3:06:17
